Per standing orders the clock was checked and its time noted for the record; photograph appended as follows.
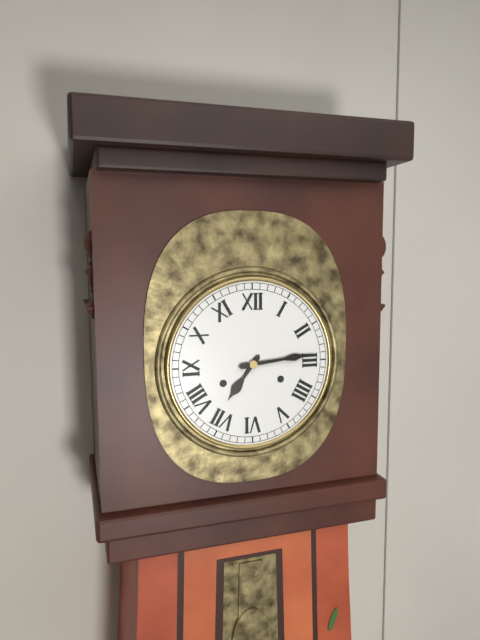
7:14
